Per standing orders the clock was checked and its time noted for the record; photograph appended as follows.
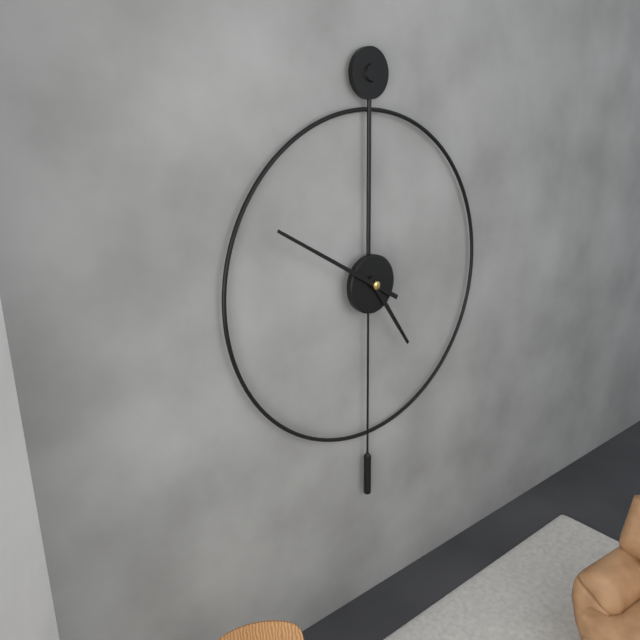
4:50
